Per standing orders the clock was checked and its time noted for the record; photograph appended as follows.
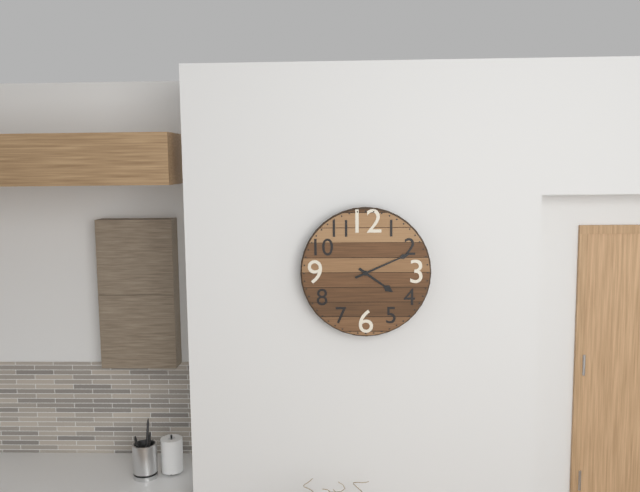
4:11
